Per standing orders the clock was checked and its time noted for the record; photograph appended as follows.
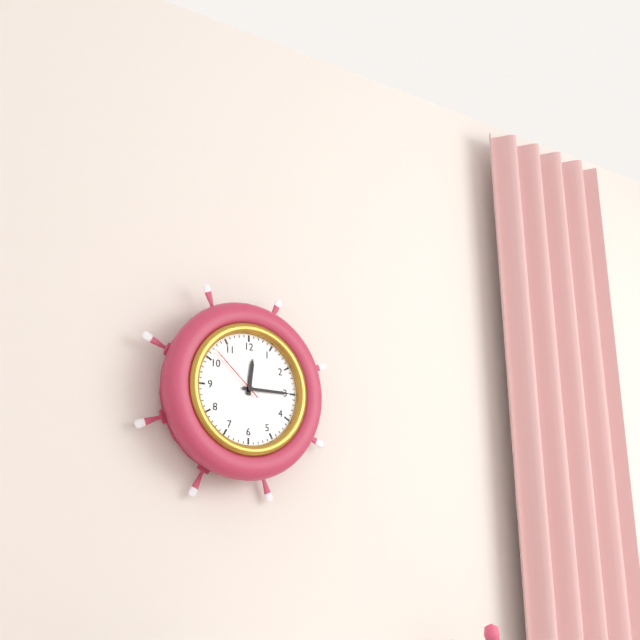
12:15:52
